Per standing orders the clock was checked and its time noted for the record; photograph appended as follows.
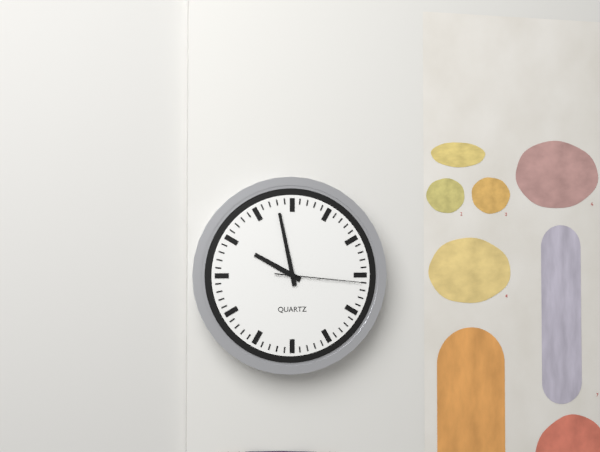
9:58:16
